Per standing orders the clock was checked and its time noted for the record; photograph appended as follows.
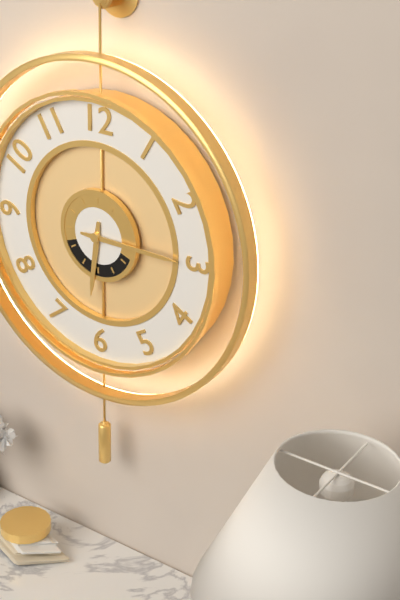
6:15
